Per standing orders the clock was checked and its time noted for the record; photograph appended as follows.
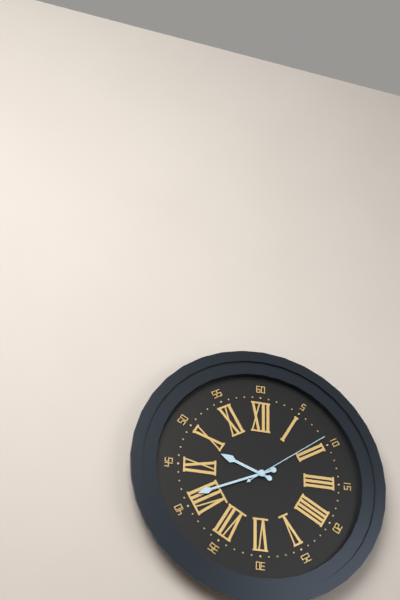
9:41:09
